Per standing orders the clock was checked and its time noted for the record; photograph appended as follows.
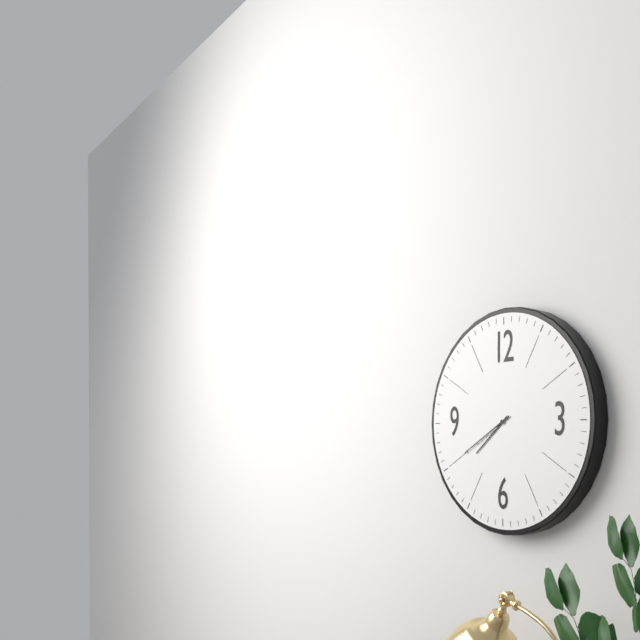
7:40
